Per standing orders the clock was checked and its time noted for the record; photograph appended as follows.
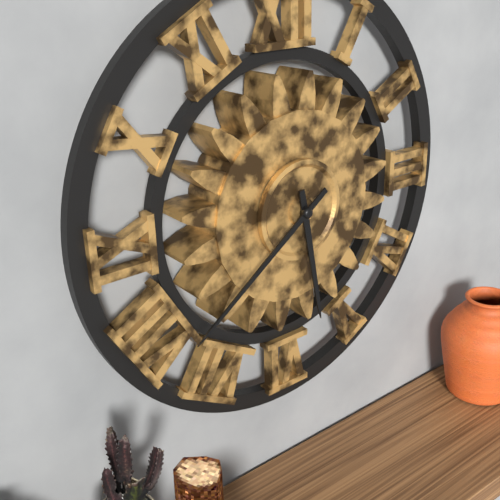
5:39
